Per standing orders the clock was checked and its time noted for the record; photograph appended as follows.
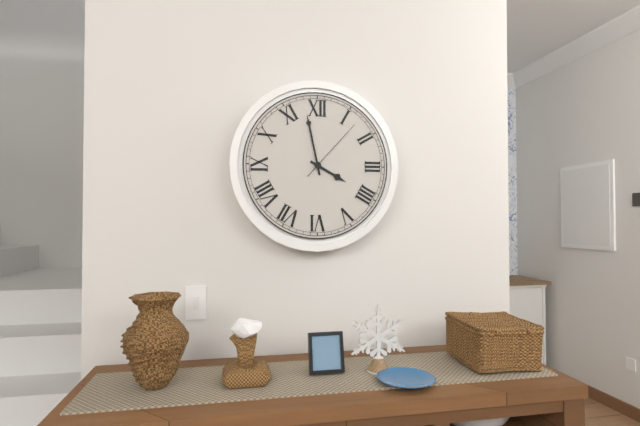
3:58:07
